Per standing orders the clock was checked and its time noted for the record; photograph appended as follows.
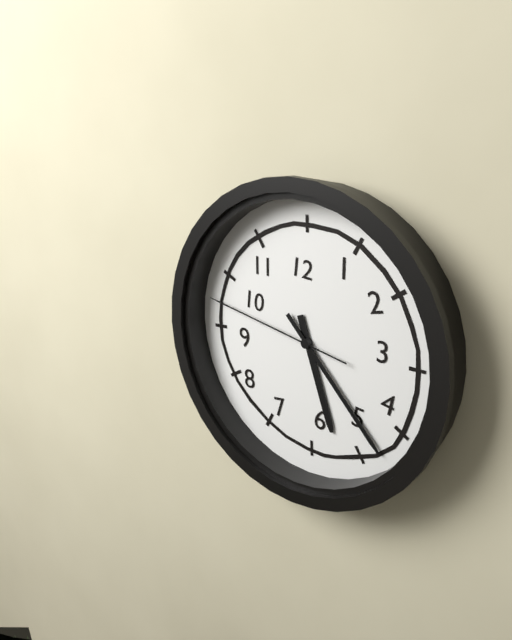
5:23:47
